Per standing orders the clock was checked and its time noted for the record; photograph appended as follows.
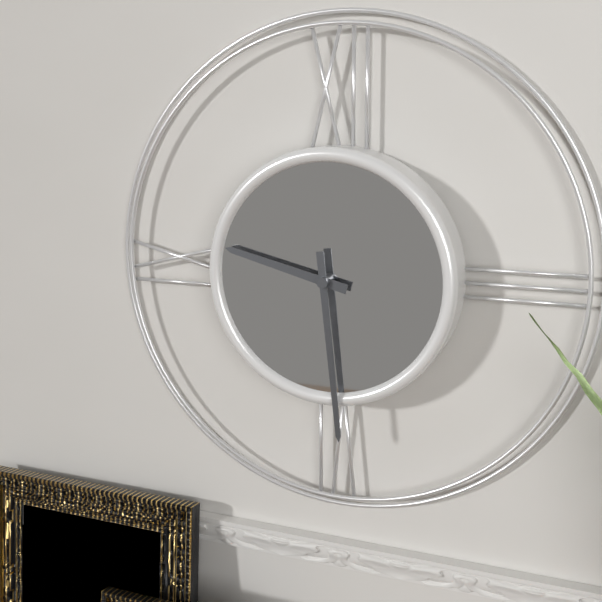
9:29
